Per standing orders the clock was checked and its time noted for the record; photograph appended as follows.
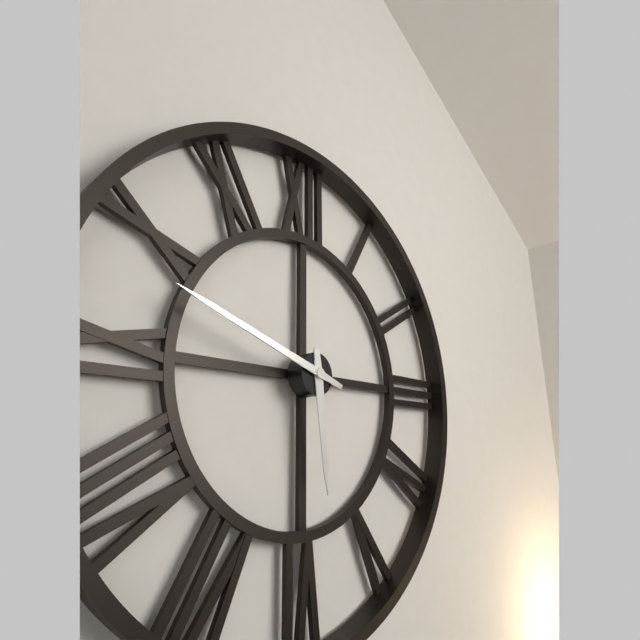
5:48
